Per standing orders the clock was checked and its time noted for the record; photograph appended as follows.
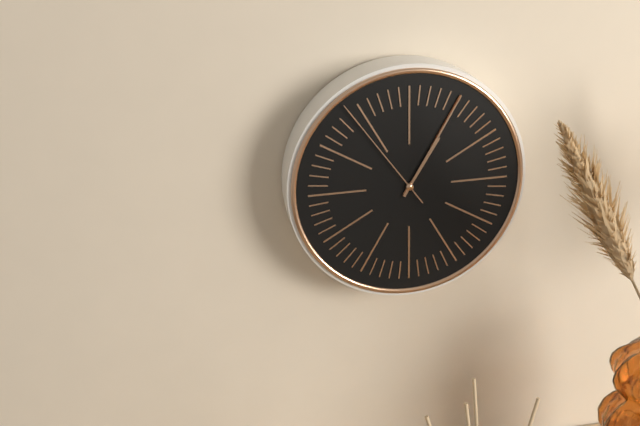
1:05:54
